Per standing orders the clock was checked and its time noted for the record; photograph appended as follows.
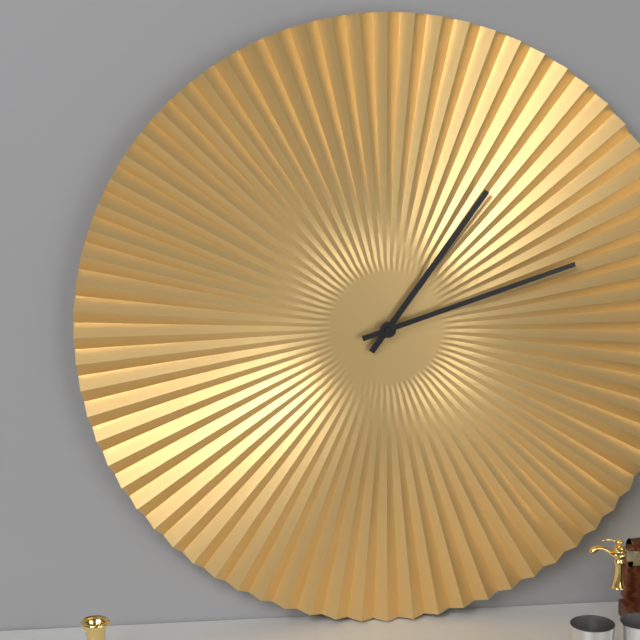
1:12
